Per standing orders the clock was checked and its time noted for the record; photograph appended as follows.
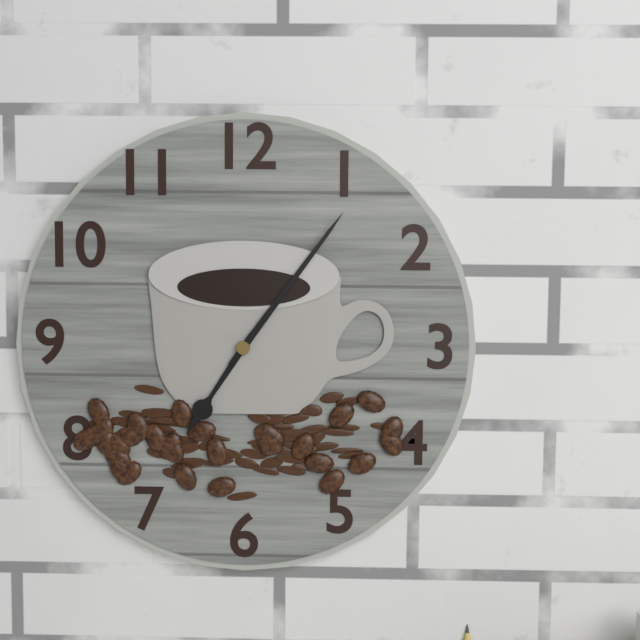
7:06
